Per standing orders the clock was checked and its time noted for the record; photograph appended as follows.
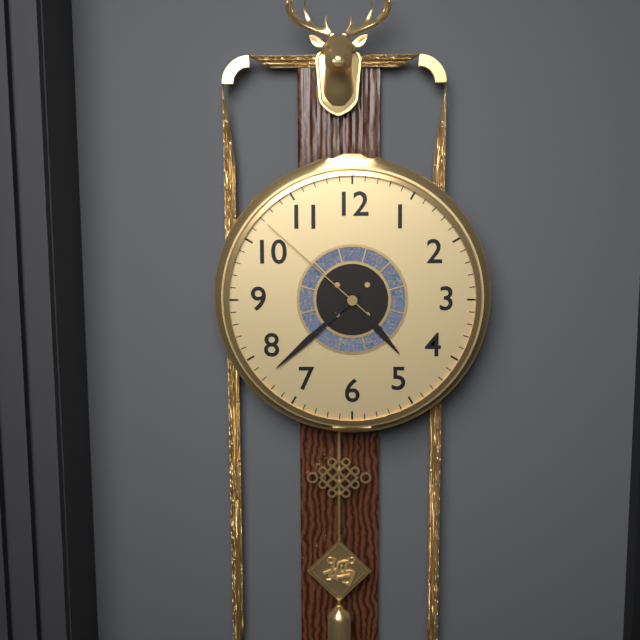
4:38:52
